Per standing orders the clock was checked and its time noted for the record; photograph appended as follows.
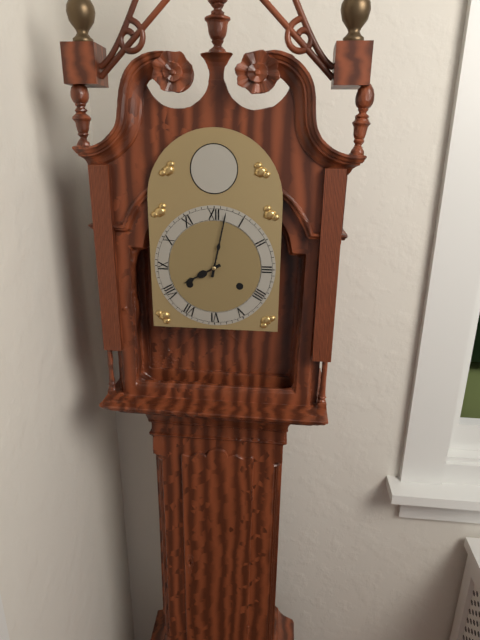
8:02
